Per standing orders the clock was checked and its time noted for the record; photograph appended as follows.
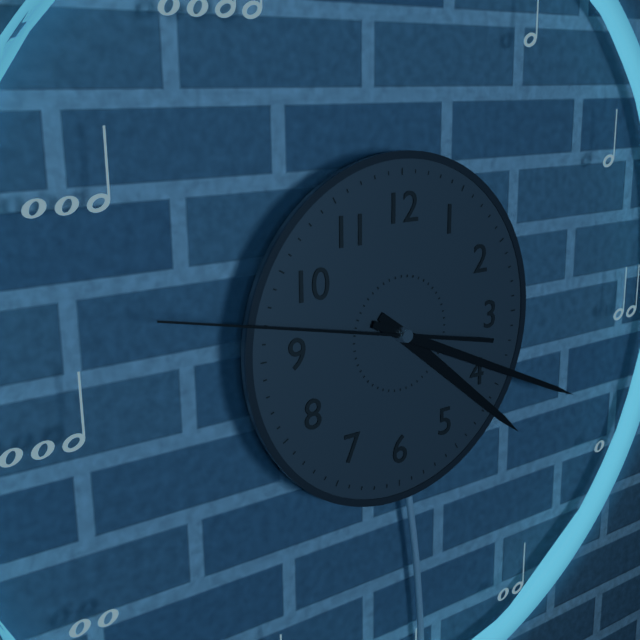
4:19:47
